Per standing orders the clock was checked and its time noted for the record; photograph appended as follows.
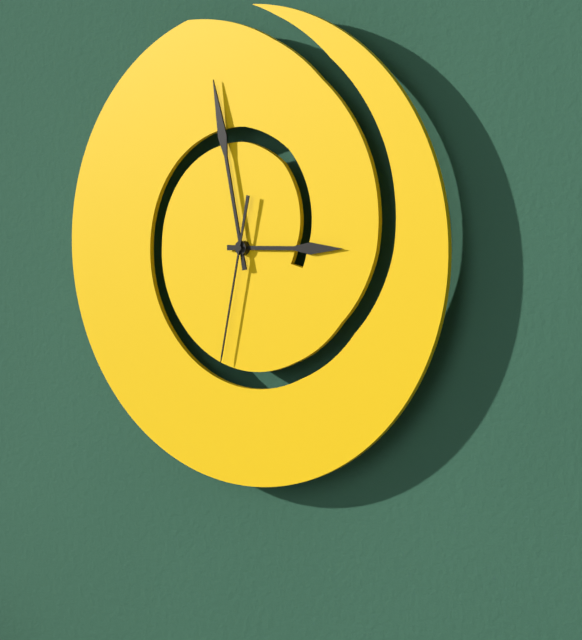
2:58:32
